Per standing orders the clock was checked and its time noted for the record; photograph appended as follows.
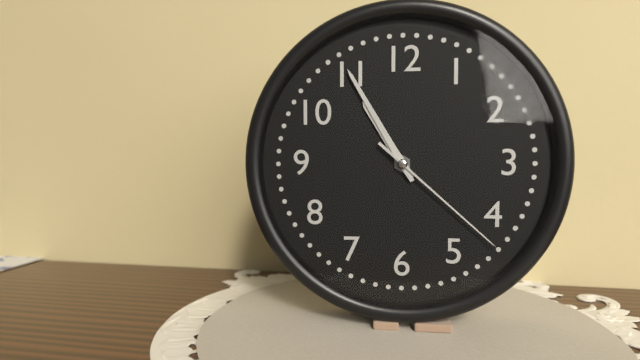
10:55:22
